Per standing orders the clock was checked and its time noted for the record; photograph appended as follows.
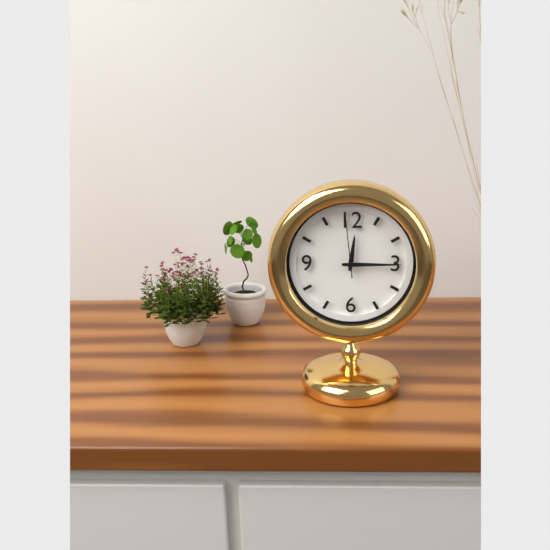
12:15:59
